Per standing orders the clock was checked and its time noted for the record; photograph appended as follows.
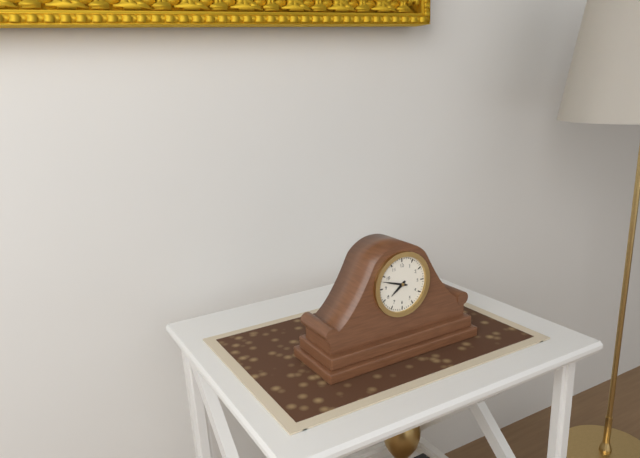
7:48
